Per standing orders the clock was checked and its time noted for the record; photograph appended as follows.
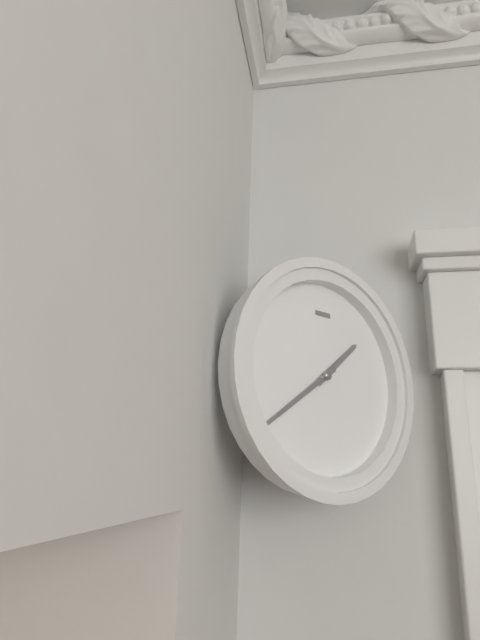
1:39
